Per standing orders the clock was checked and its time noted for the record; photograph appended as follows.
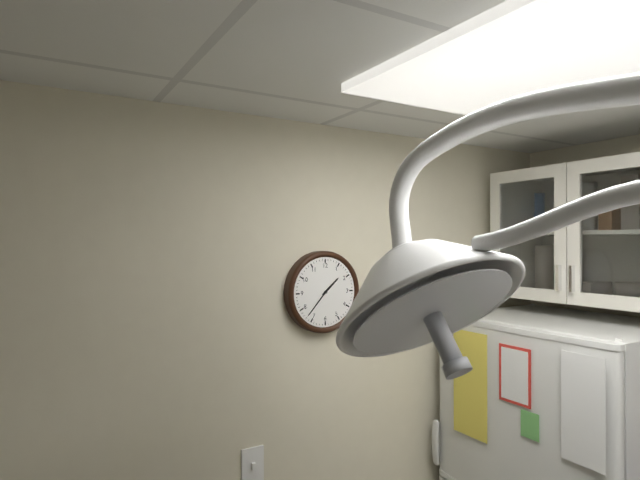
1:37
